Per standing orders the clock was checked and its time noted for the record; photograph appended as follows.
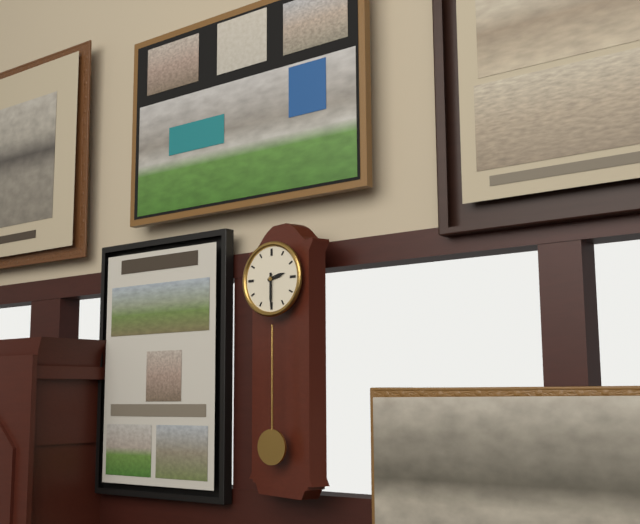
2:30
